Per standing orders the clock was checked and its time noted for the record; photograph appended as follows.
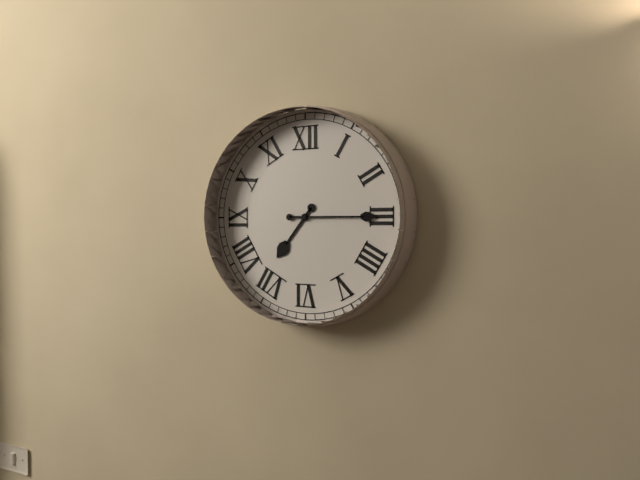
7:15
